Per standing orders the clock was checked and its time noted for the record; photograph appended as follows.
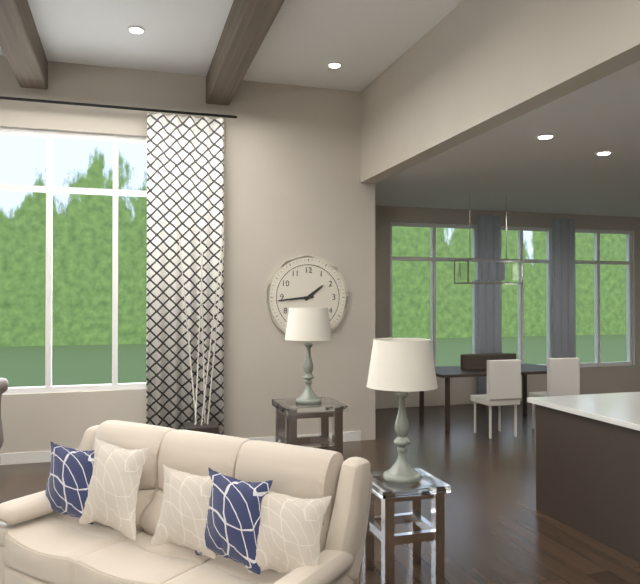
1:44
